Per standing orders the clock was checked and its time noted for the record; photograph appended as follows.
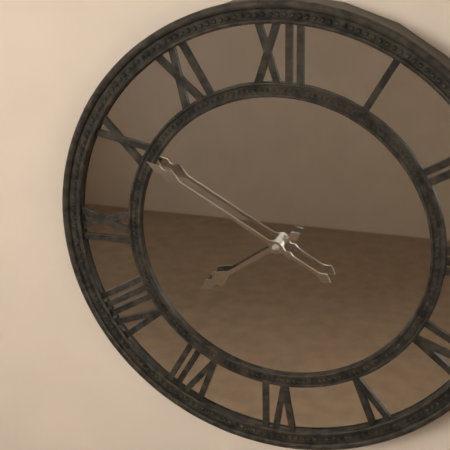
7:50
